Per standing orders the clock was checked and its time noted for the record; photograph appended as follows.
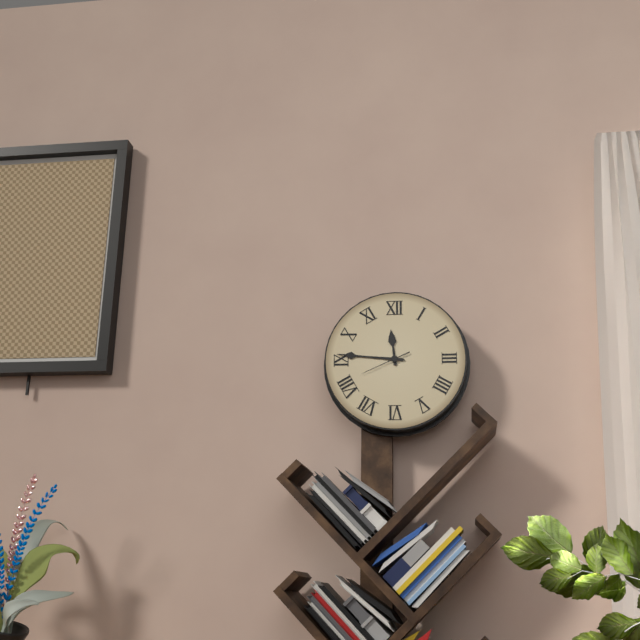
11:46
